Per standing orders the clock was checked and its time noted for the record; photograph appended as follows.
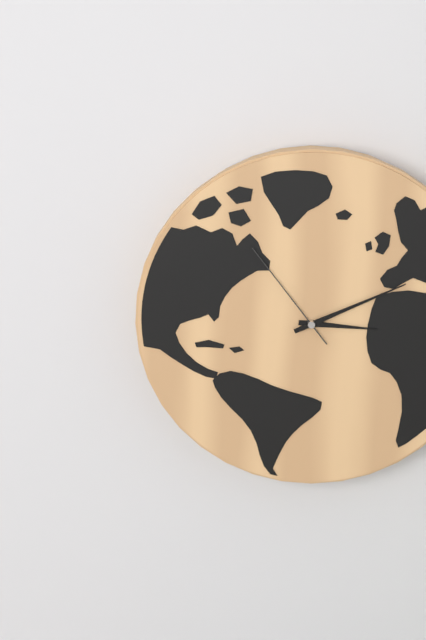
3:11:54
